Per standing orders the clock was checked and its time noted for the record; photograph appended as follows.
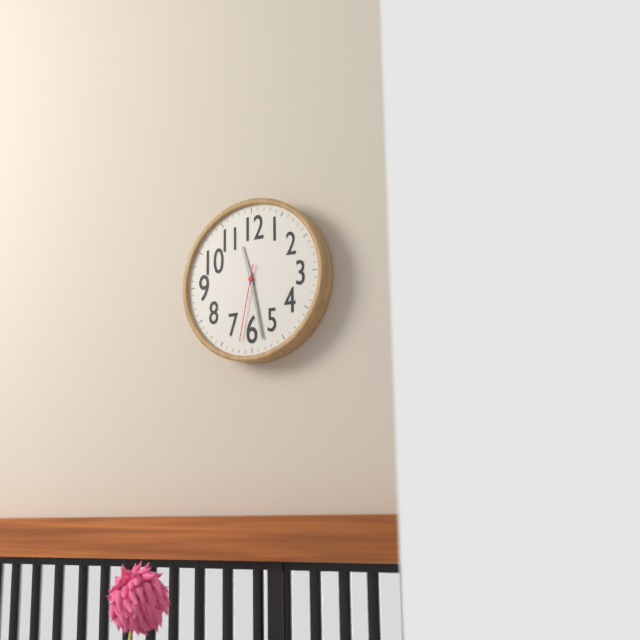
11:28:32
